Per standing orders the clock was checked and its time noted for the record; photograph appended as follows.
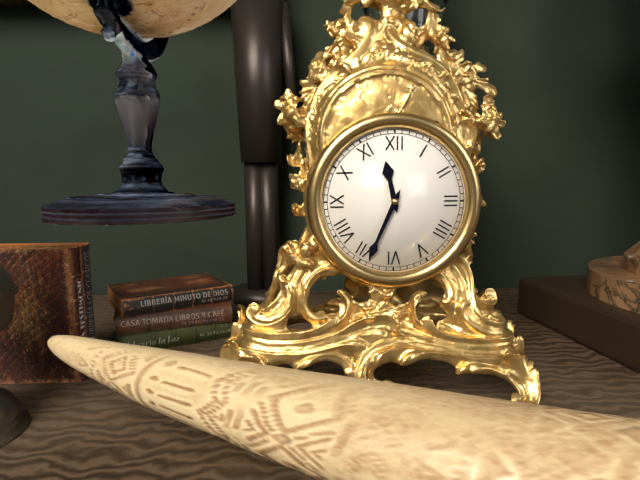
11:34
